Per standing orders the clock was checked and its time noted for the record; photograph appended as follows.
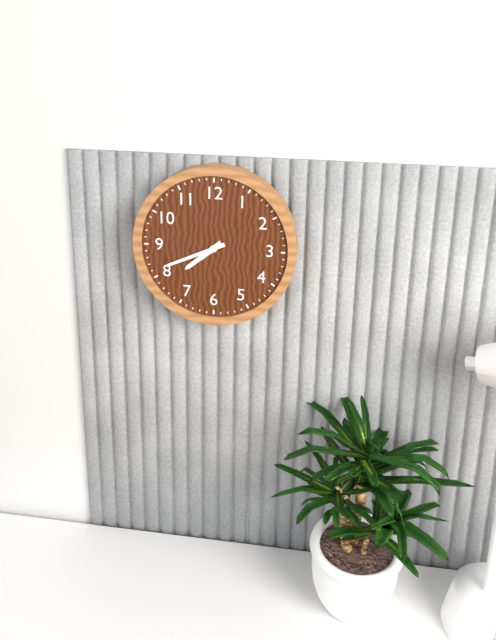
7:41
